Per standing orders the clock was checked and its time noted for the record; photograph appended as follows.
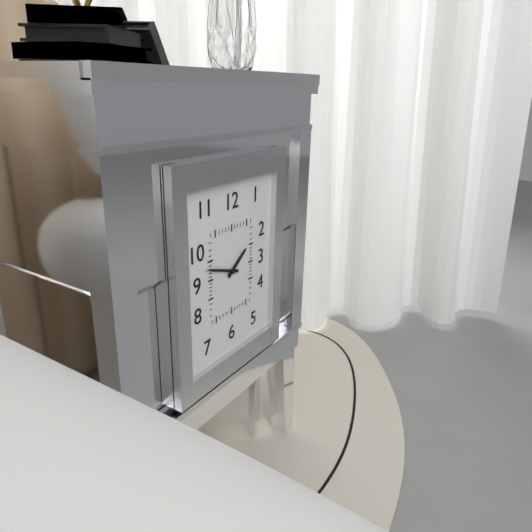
1:48
